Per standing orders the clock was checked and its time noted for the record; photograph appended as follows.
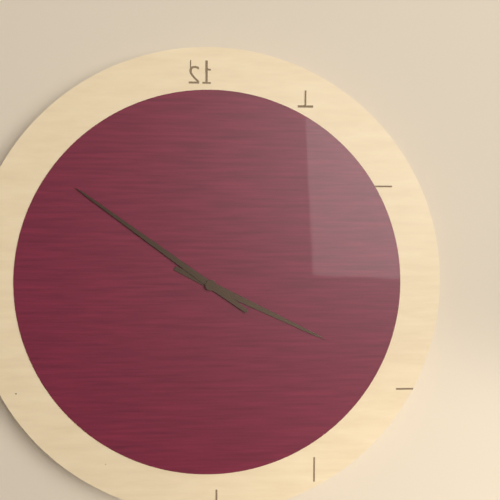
3:51
